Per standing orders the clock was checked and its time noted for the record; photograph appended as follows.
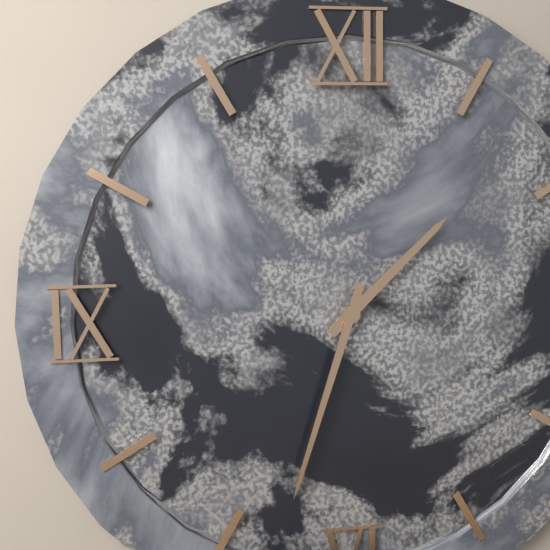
1:33
